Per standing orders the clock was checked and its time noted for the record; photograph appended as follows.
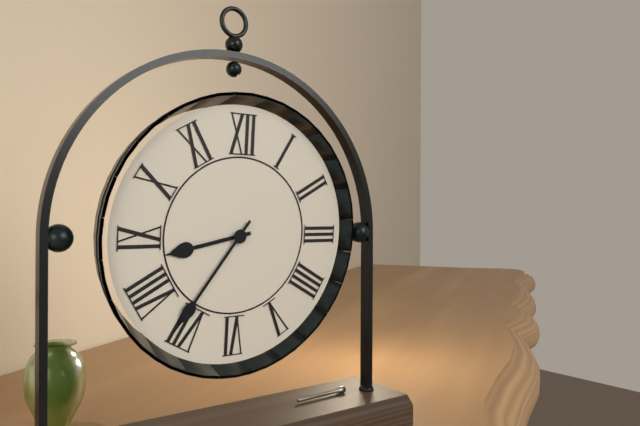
8:36
